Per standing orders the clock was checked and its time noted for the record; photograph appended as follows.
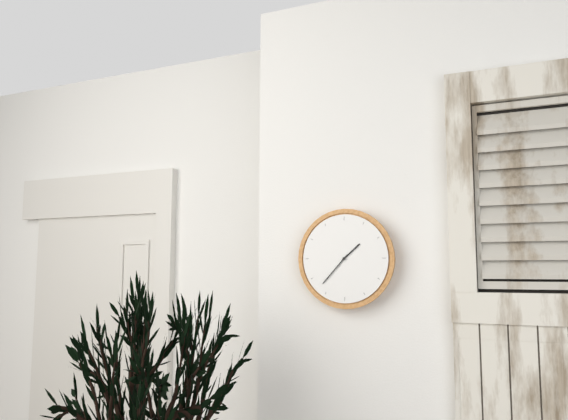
1:37
